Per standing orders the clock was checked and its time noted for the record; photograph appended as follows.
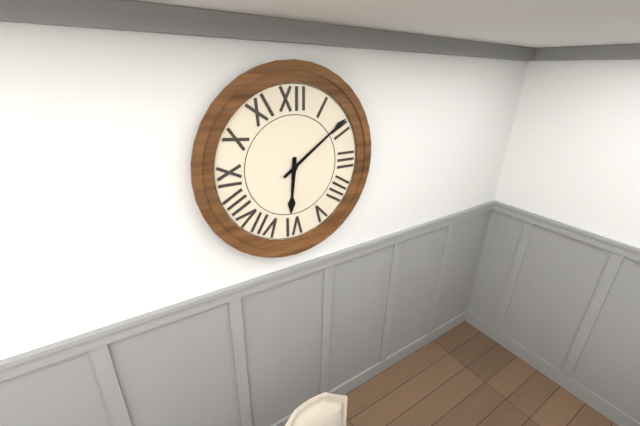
6:09
